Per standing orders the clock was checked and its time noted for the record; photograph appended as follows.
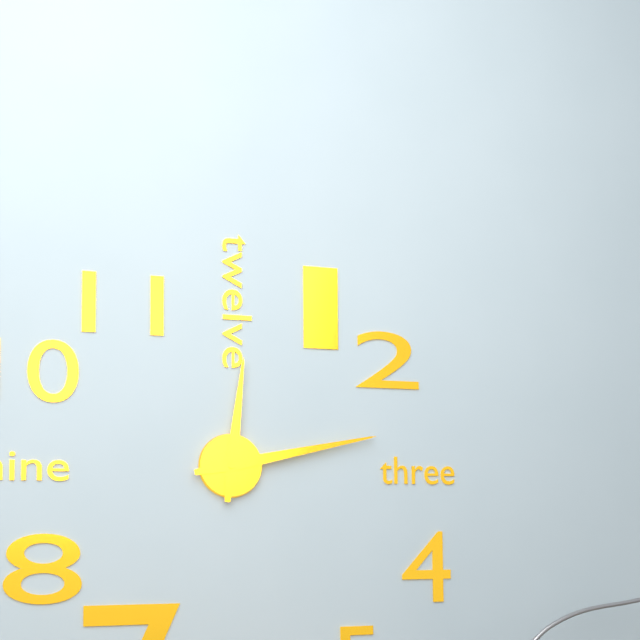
12:13
